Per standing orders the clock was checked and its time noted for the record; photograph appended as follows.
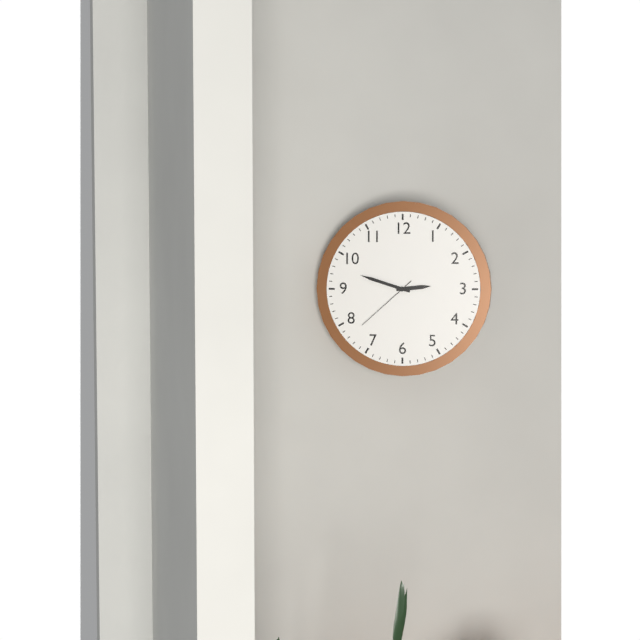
2:48:38
